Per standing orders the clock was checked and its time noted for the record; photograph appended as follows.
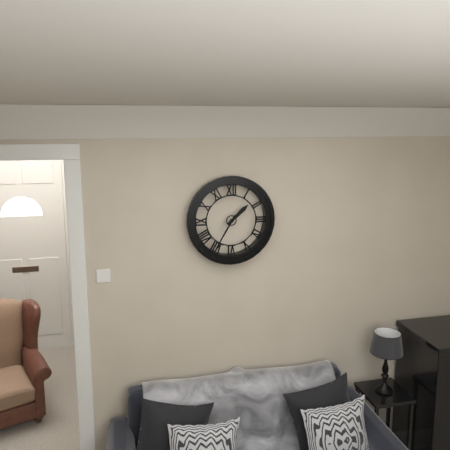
1:35
